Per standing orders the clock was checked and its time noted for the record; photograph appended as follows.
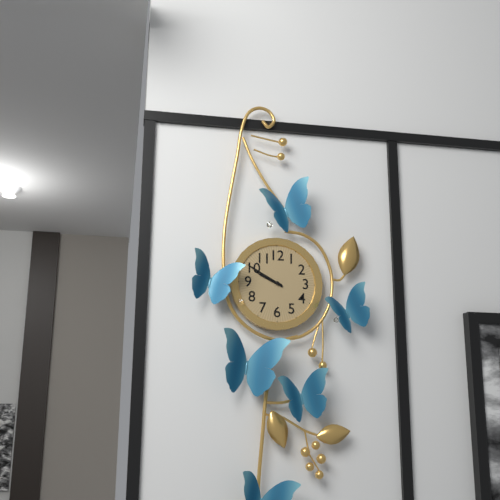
9:50
